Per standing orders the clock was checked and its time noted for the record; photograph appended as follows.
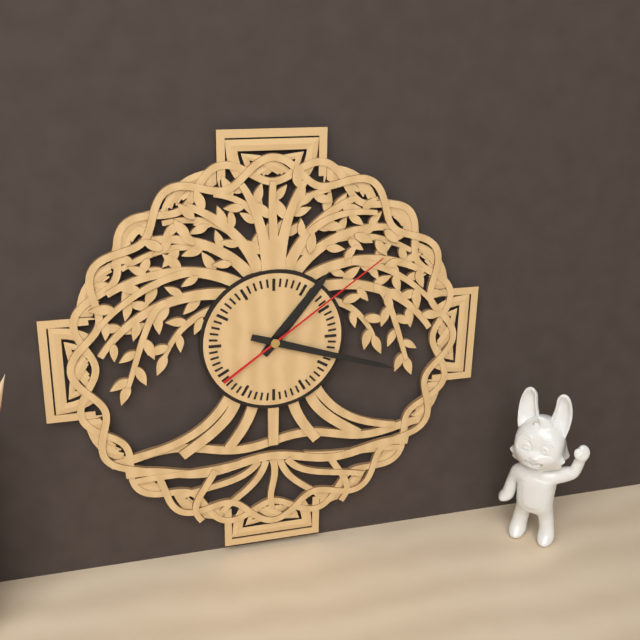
1:18:09
